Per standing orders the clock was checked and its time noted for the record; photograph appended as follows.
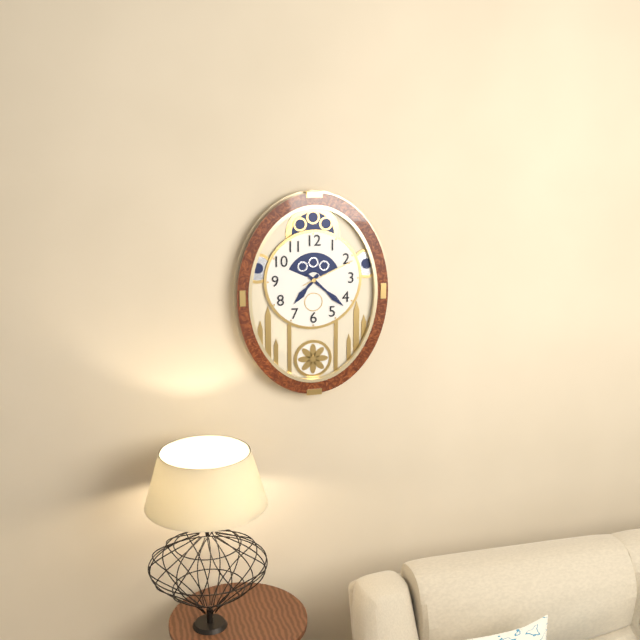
7:22:11
